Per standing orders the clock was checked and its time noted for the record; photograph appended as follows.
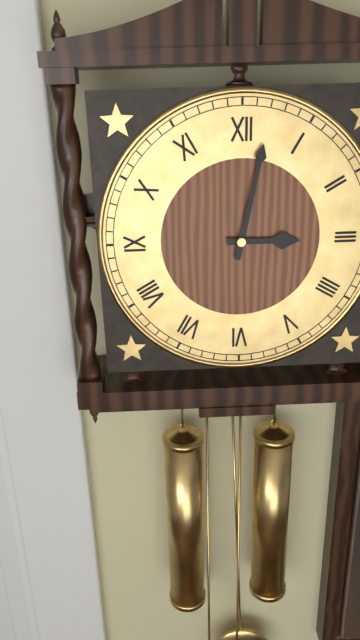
3:02
